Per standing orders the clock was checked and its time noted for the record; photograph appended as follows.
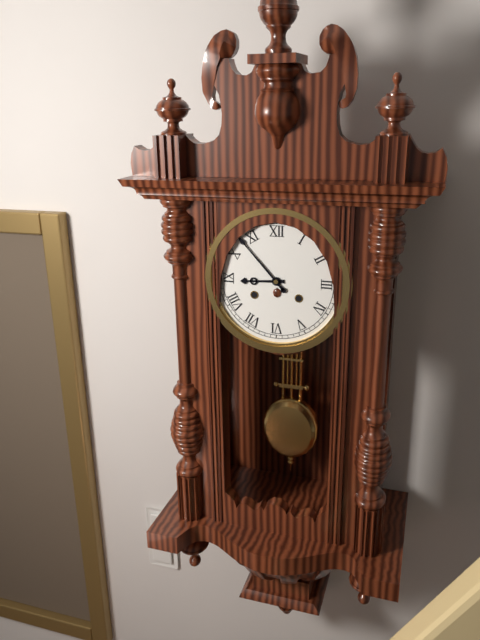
8:53
